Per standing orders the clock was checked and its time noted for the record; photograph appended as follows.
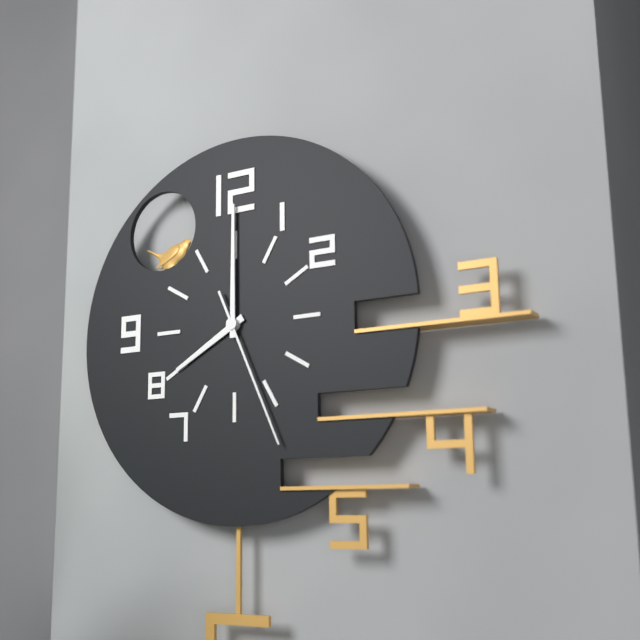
8:00:26
